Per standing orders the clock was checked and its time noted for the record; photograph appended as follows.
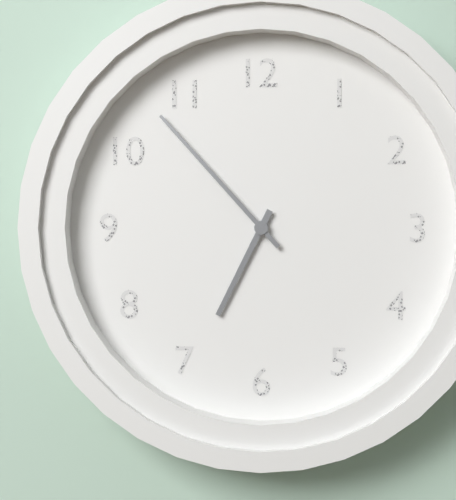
6:53
